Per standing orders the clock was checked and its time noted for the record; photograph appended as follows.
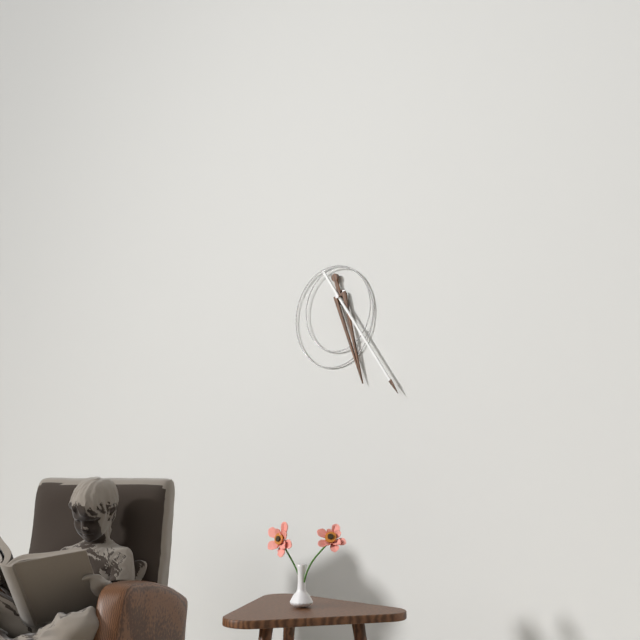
5:24
